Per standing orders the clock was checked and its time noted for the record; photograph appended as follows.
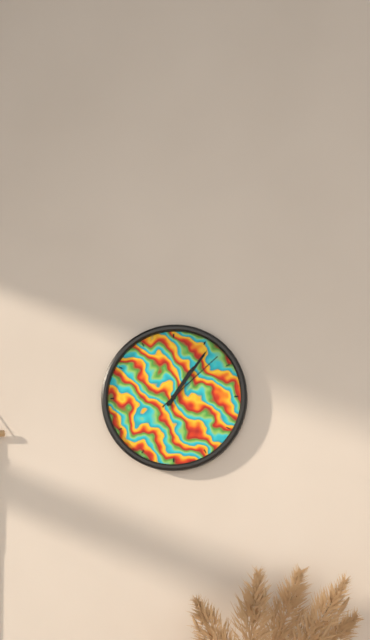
1:06:08
